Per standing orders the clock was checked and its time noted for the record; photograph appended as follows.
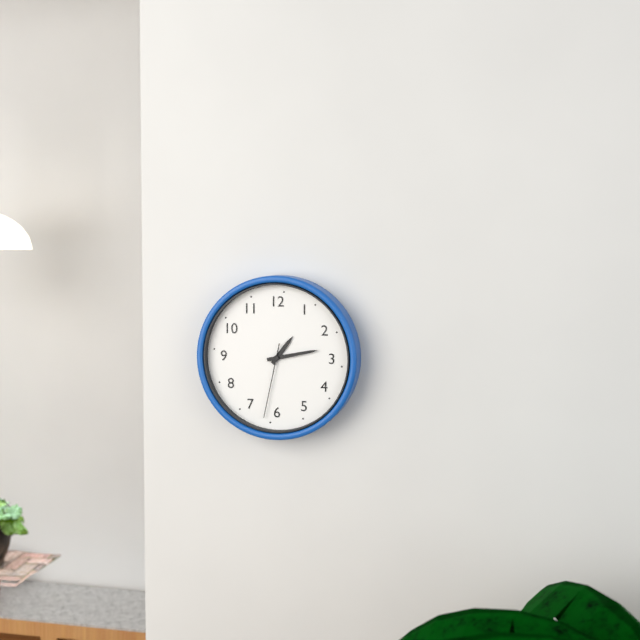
1:13:32
